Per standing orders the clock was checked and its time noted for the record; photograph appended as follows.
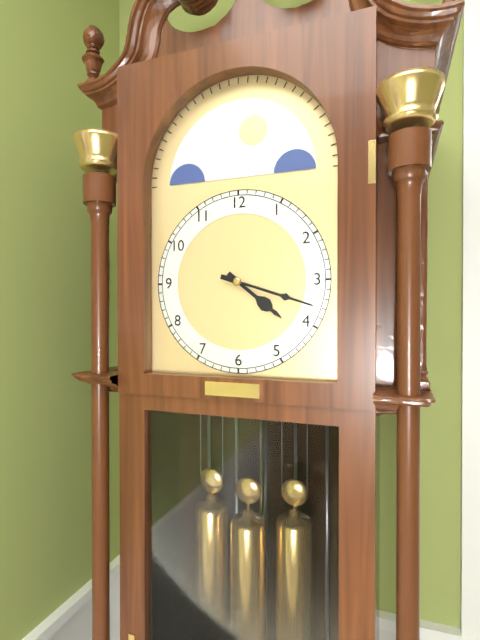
4:18
